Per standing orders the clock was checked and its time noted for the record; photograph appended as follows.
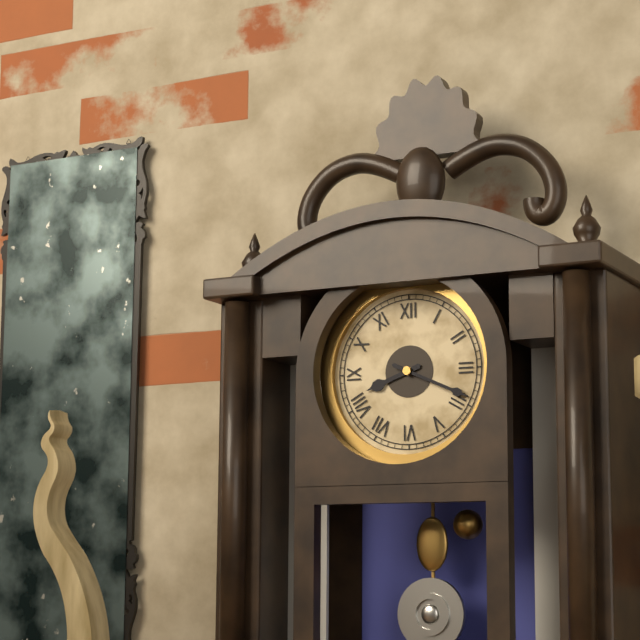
8:19
